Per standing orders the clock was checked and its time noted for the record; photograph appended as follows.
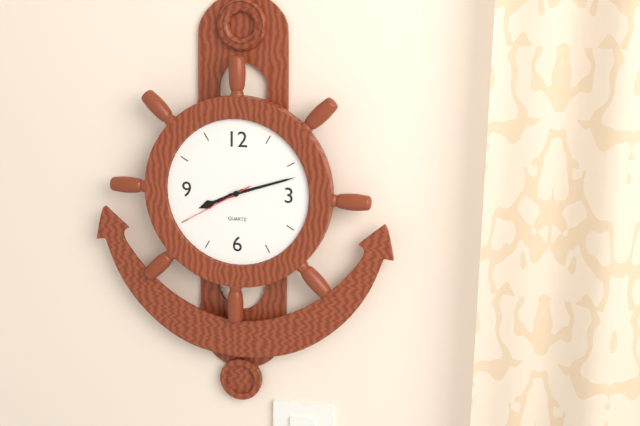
8:12:40
